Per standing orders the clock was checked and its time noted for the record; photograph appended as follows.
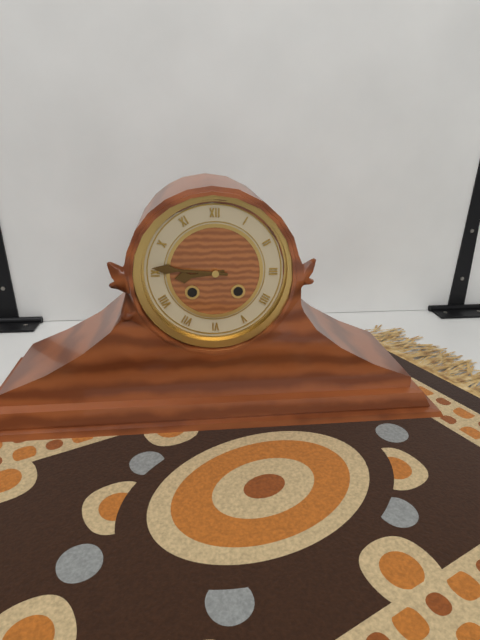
8:46
